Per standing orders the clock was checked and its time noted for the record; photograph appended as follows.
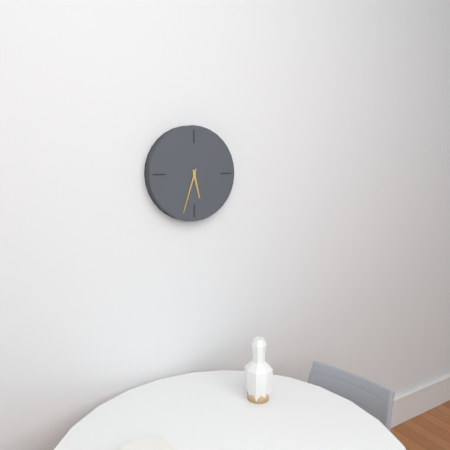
5:33
